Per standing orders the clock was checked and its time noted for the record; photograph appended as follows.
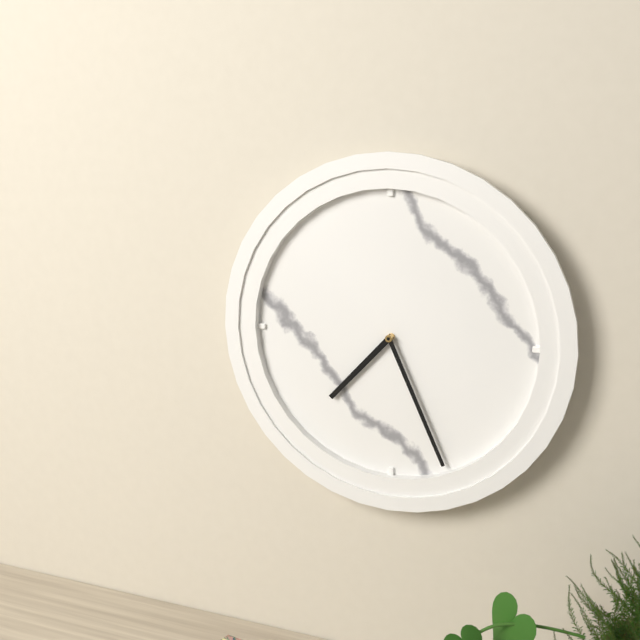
7:26
